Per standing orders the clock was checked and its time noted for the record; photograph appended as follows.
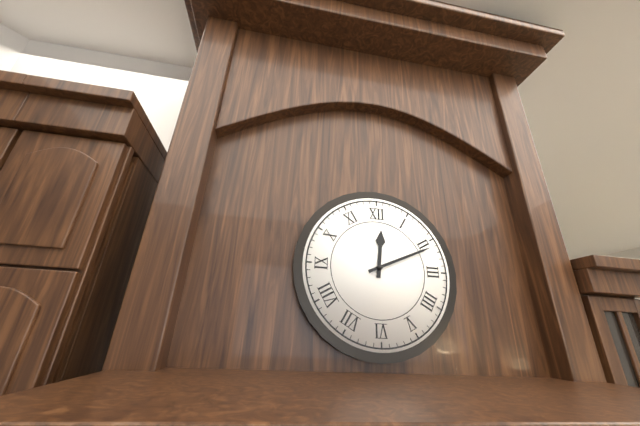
12:11
